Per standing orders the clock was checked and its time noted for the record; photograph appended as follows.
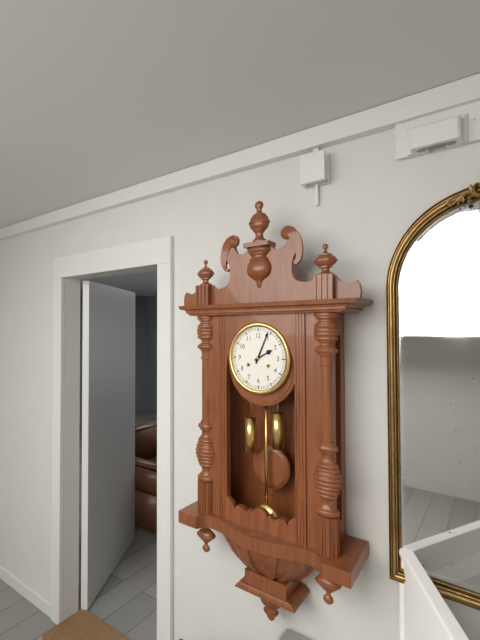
2:04
